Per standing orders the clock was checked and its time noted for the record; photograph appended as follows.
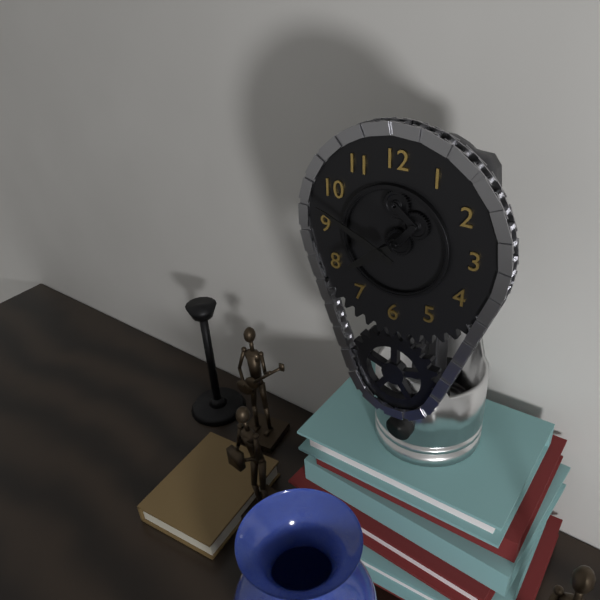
7:49
